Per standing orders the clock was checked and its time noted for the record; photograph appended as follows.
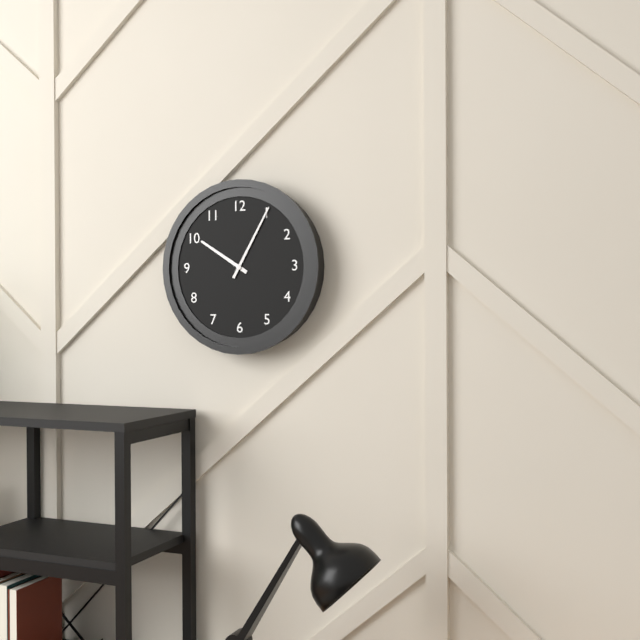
10:05
